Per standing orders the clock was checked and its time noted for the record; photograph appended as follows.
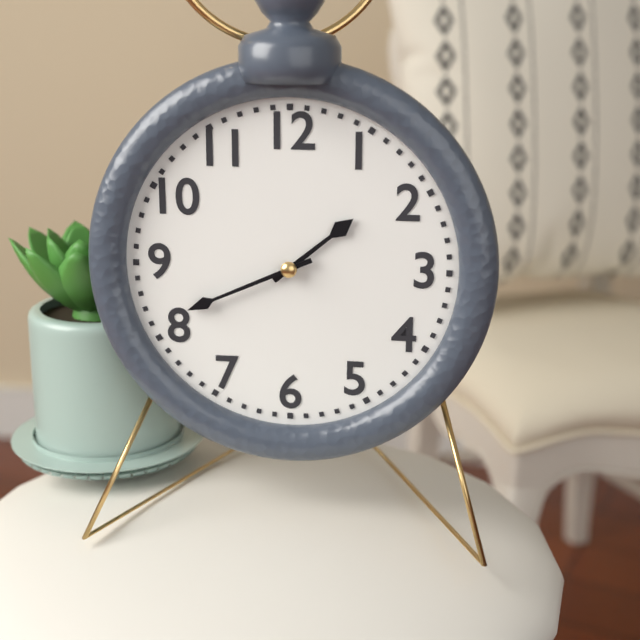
1:41
